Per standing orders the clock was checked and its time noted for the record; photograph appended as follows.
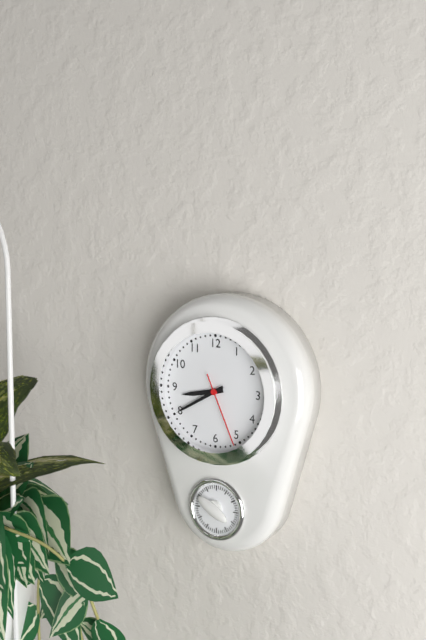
8:40:26
